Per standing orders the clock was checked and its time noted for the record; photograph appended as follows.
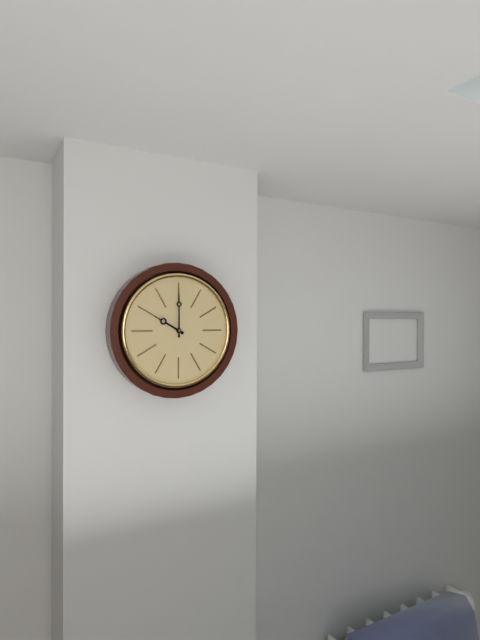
10:00
